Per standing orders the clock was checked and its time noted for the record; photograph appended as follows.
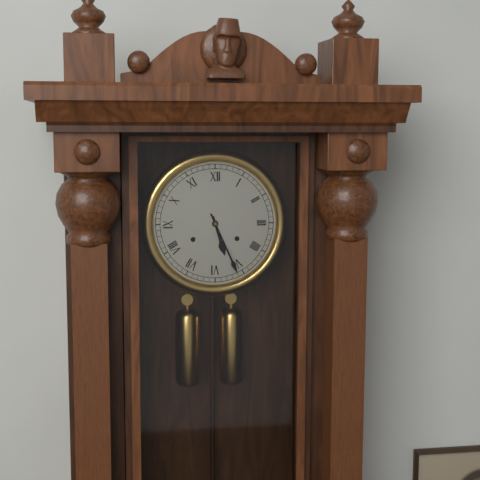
5:26
